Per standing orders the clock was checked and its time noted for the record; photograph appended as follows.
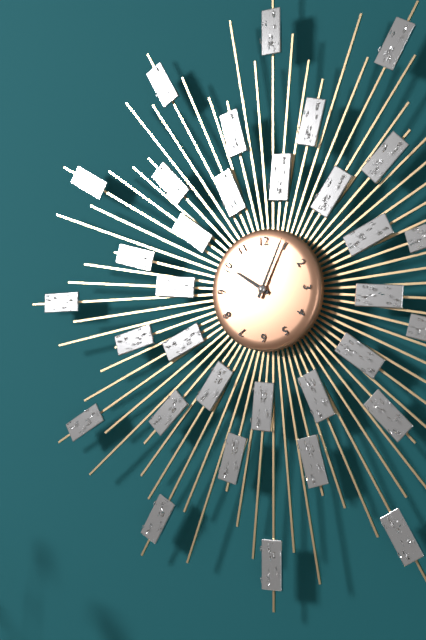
10:04
